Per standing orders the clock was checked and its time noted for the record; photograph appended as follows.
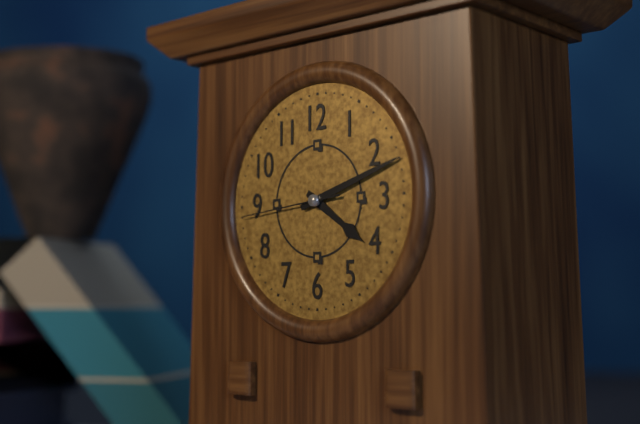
4:12:44
